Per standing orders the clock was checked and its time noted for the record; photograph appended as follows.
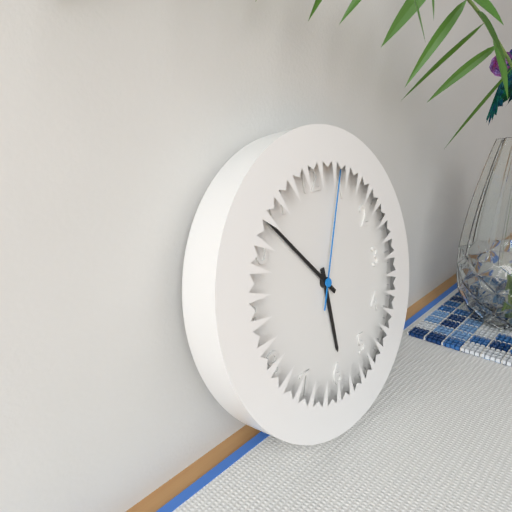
5:53:04
